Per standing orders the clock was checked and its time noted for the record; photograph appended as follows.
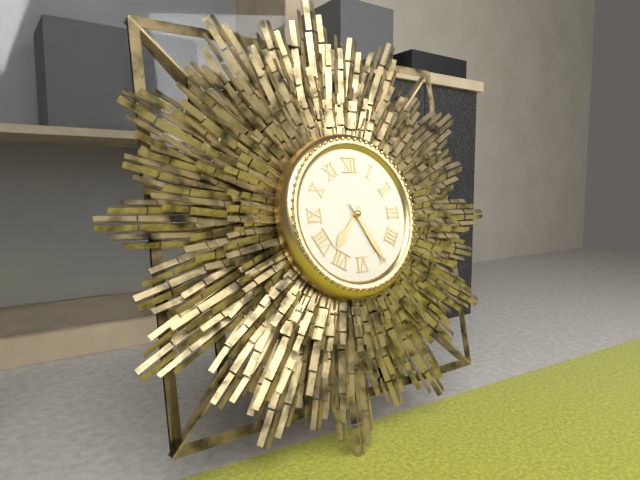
7:25
